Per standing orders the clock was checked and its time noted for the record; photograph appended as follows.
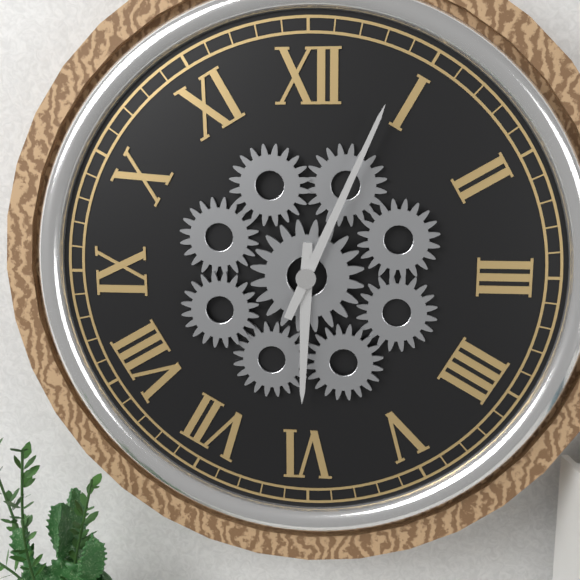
6:04
